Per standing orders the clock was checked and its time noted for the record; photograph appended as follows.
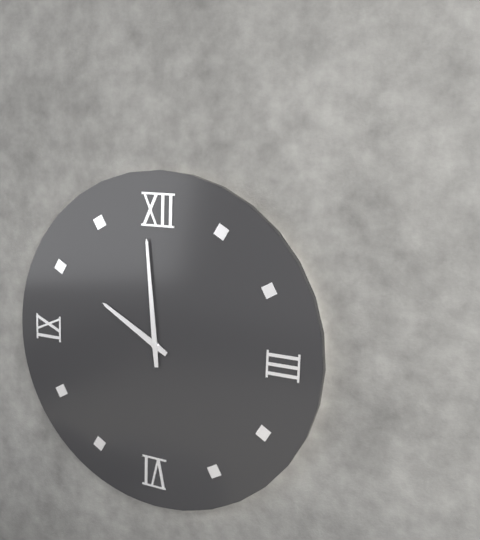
9:59
